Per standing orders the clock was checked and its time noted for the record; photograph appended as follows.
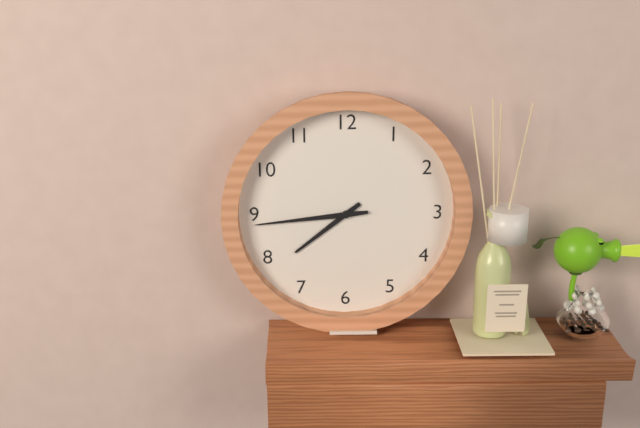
7:44
